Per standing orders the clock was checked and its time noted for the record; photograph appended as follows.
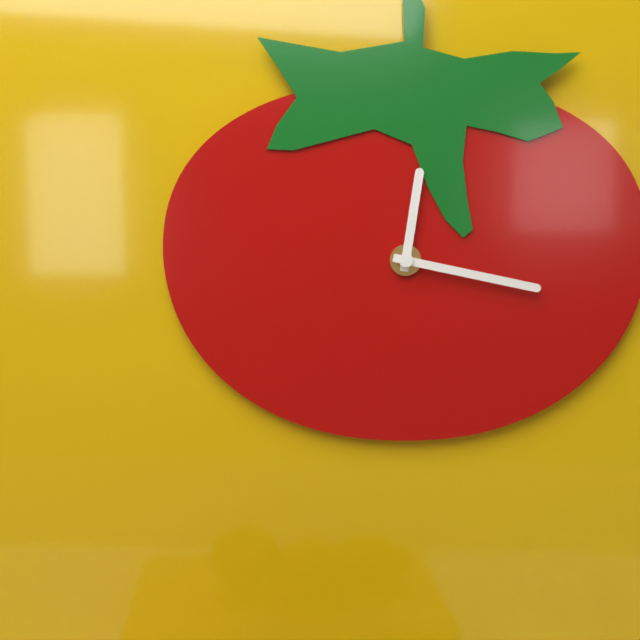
12:17
